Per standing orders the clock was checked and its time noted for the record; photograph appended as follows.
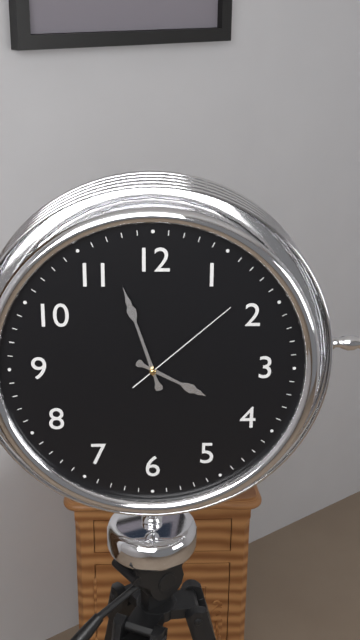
3:57:08
